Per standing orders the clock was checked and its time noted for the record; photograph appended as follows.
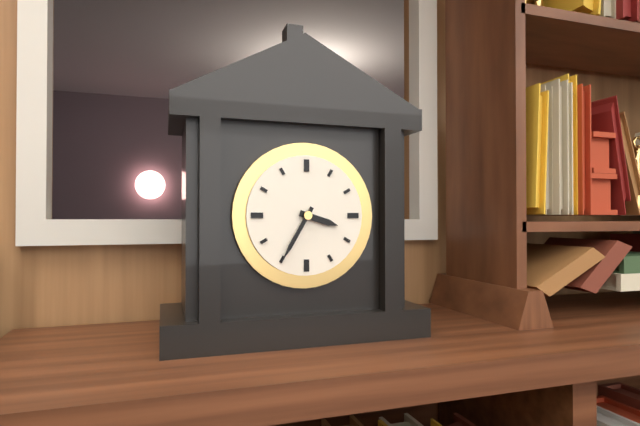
3:35
